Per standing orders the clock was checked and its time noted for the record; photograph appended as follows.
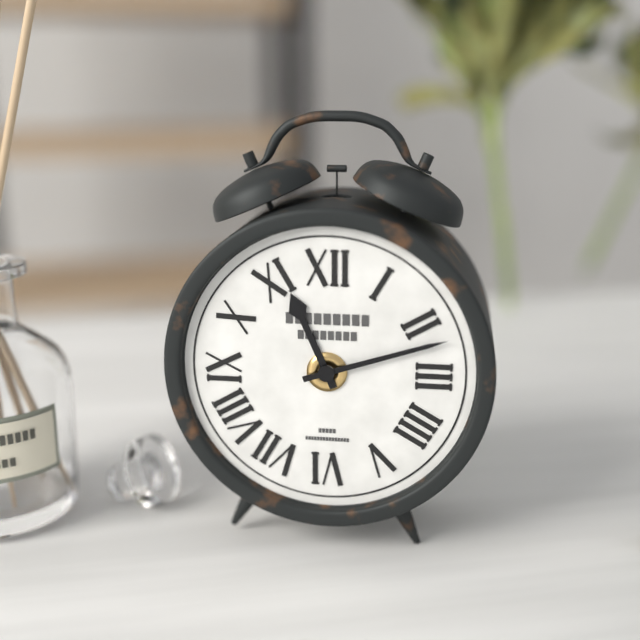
11:12
